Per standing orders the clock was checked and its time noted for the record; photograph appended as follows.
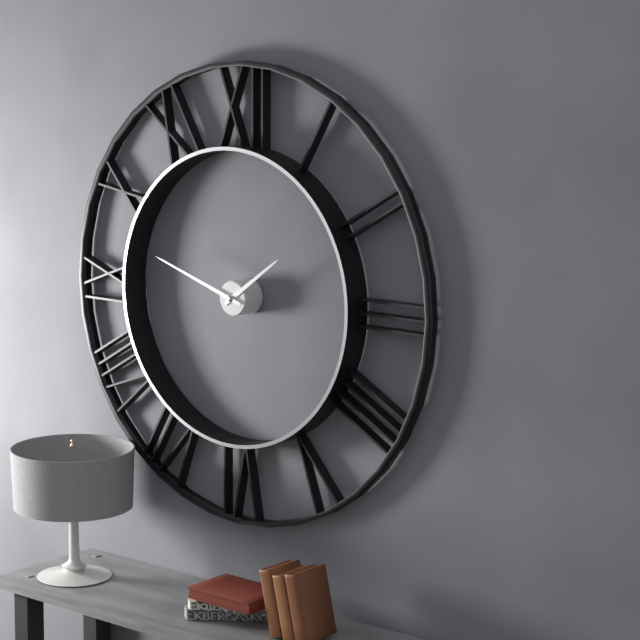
1:48
